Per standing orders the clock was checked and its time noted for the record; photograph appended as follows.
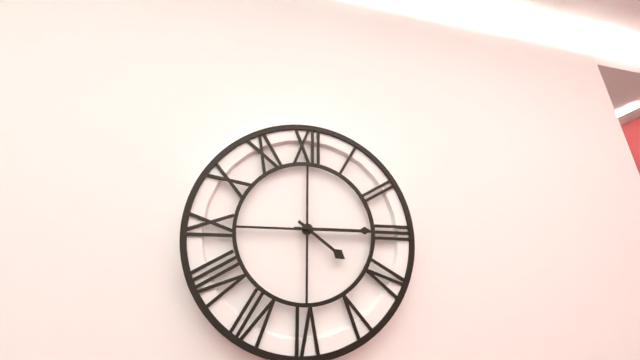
4:15
